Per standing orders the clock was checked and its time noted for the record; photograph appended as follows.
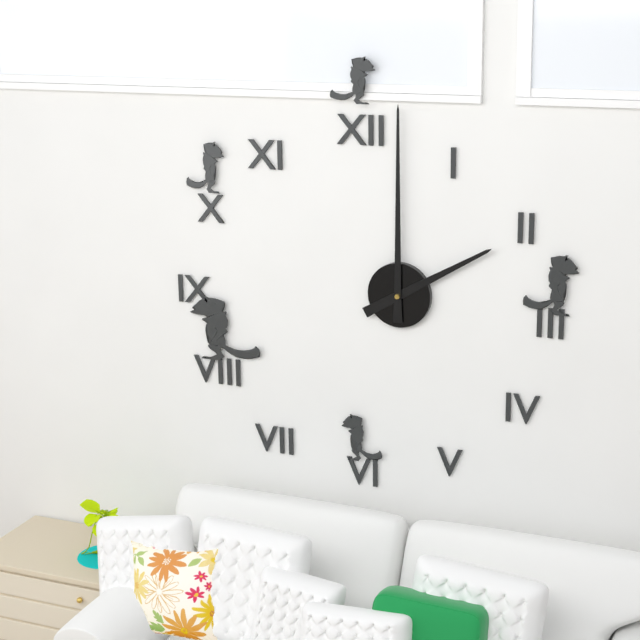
2:00
